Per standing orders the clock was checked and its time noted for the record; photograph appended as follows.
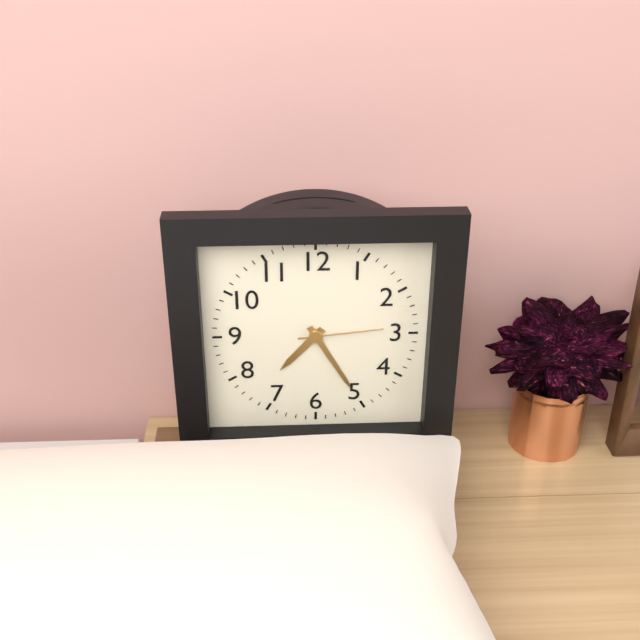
7:25:14
